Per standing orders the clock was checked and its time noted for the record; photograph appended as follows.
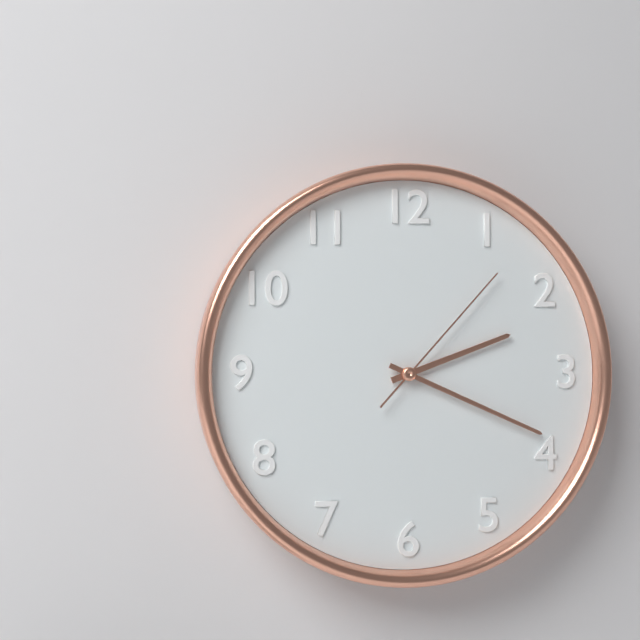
2:19:07
